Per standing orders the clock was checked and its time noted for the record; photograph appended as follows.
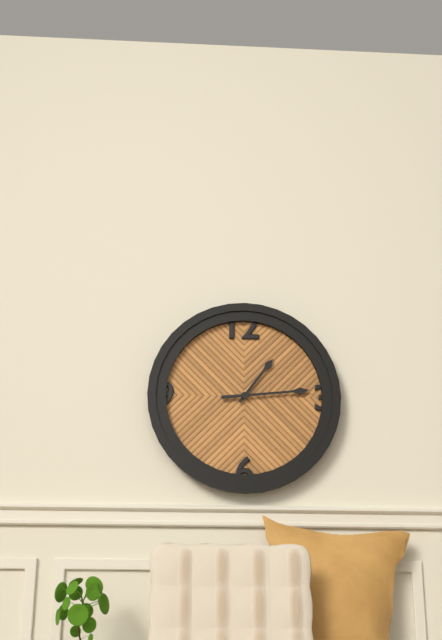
1:14
